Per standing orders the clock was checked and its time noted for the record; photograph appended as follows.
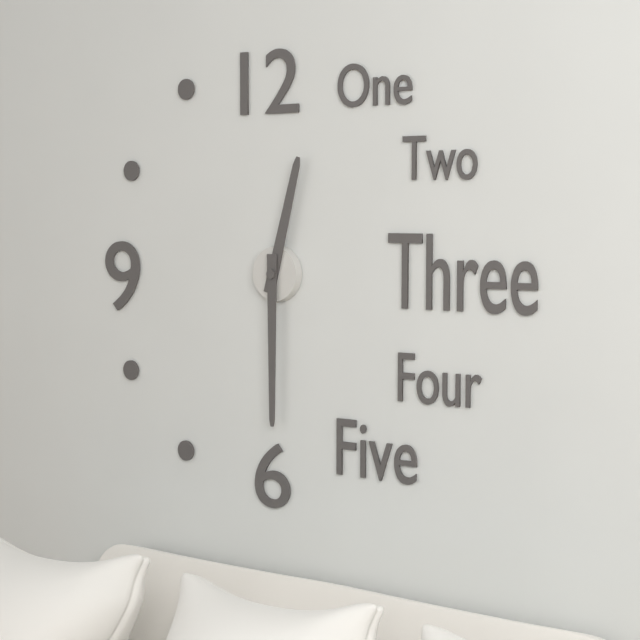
12:30
